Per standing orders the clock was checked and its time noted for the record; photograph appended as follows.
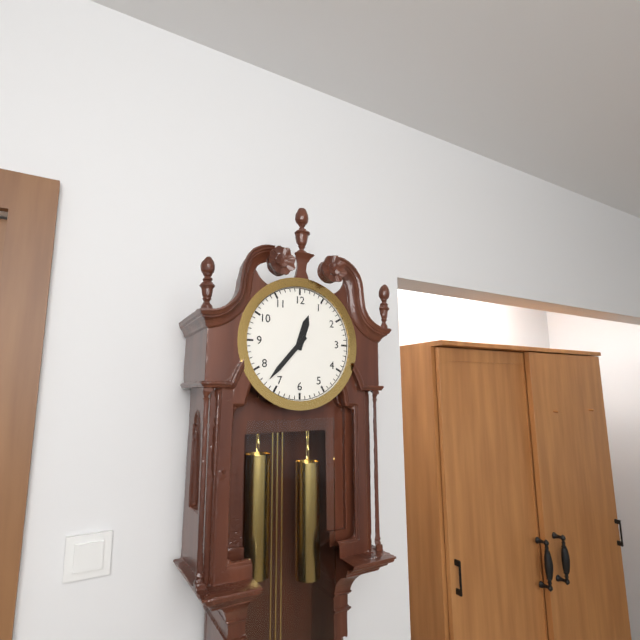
12:37
